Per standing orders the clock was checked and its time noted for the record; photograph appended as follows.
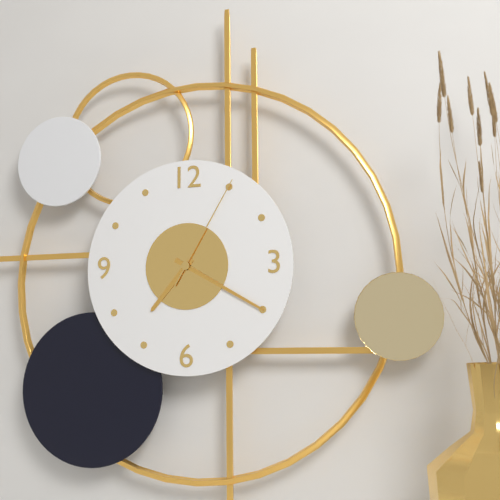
7:20:05
